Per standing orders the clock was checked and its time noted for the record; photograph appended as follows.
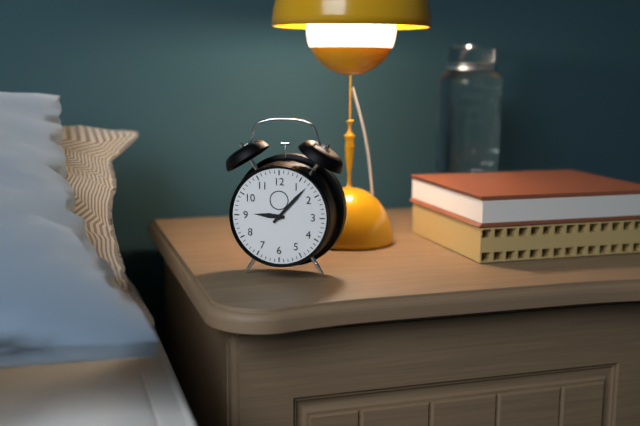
9:07
